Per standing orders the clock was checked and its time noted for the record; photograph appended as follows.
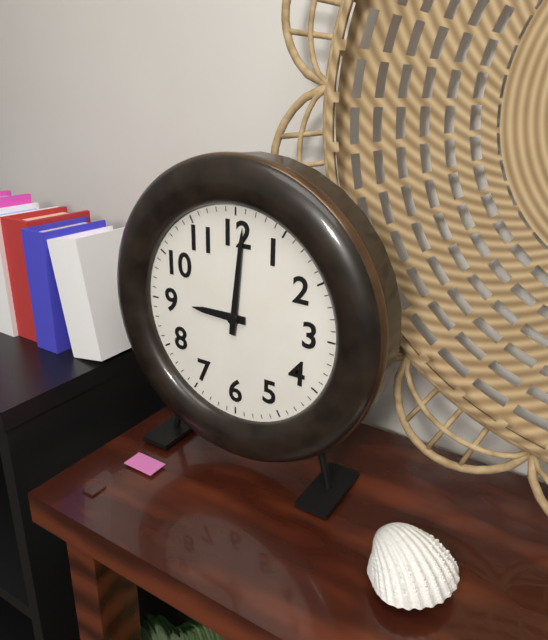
9:01
